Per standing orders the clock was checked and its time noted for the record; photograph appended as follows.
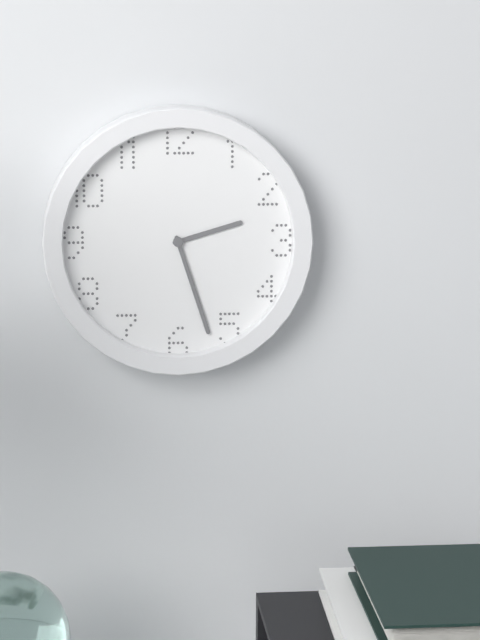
2:27
